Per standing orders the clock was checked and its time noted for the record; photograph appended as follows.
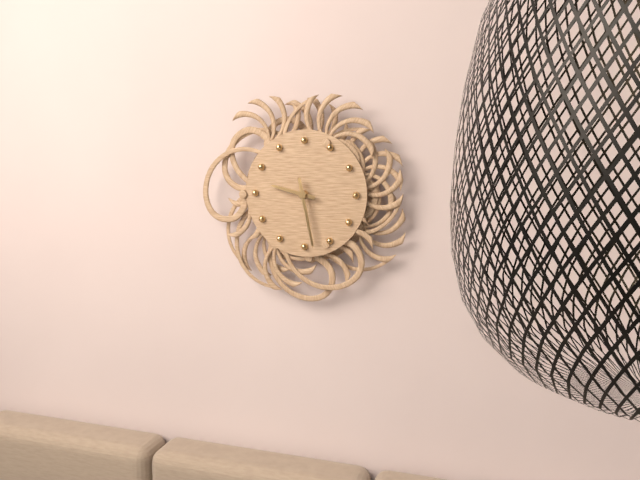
9:28
